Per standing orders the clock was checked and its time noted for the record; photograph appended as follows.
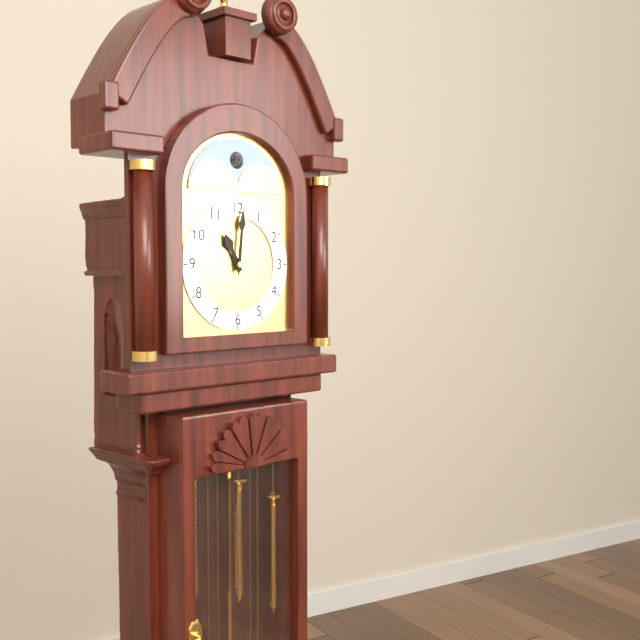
11:01
